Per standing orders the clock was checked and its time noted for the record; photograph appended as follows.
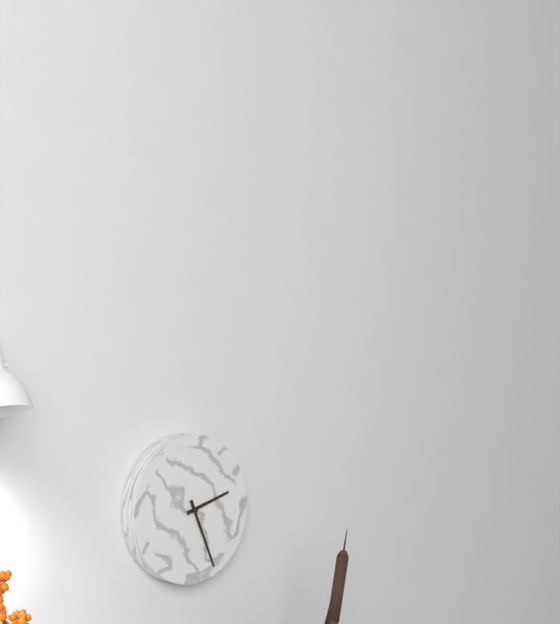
2:26
